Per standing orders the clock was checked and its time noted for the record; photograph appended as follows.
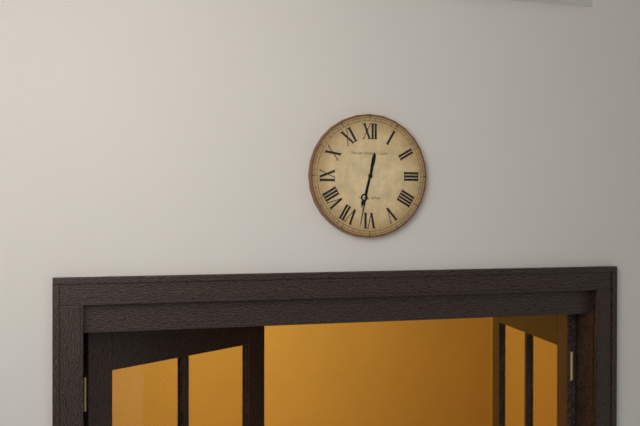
6:32
